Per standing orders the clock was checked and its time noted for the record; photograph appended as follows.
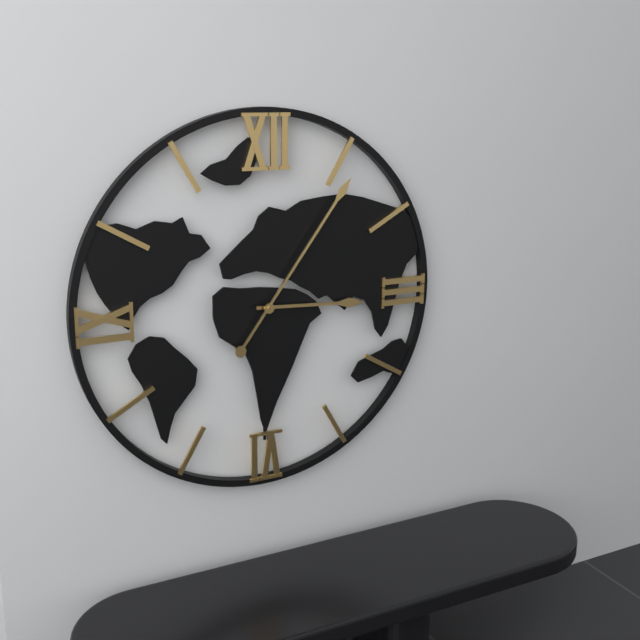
3:06
